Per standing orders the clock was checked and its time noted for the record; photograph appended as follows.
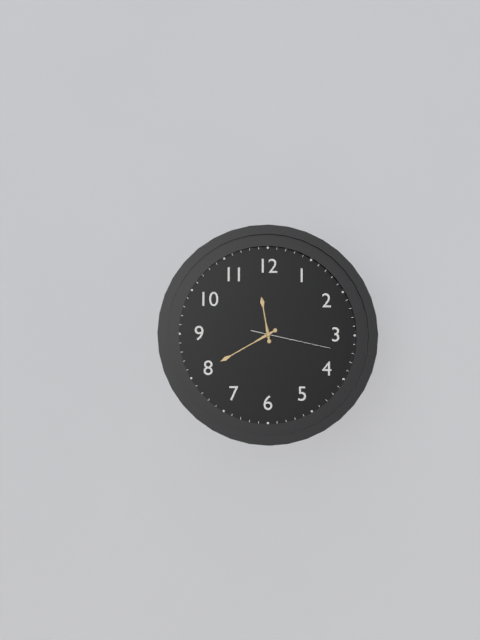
11:40:17
